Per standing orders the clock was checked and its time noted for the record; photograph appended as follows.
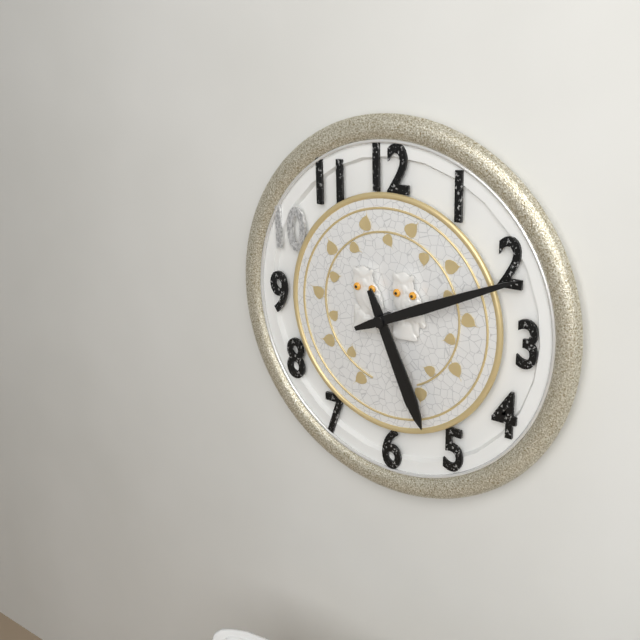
5:11
